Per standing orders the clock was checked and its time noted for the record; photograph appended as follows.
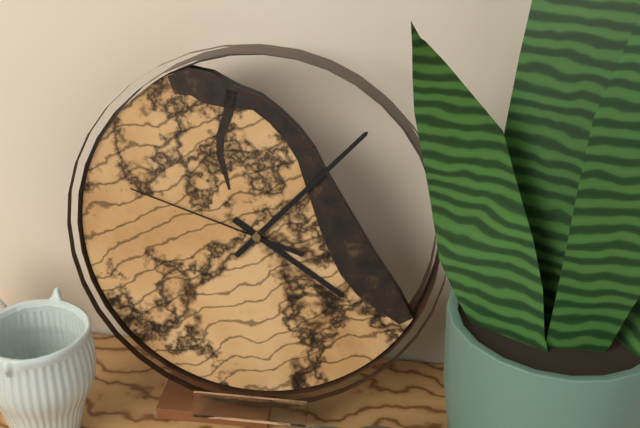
4:07:48
